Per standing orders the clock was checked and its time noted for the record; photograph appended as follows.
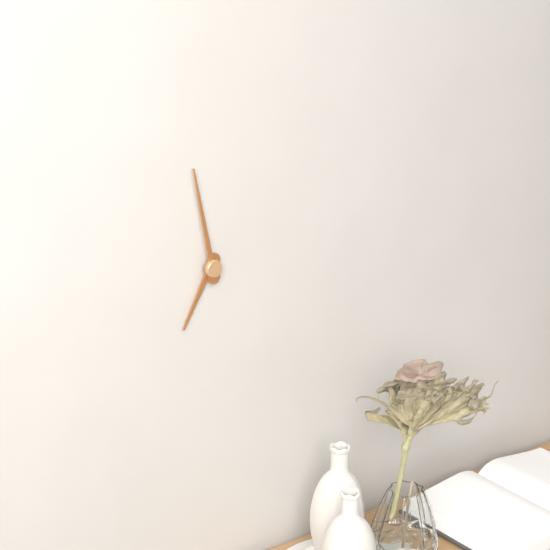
6:58
